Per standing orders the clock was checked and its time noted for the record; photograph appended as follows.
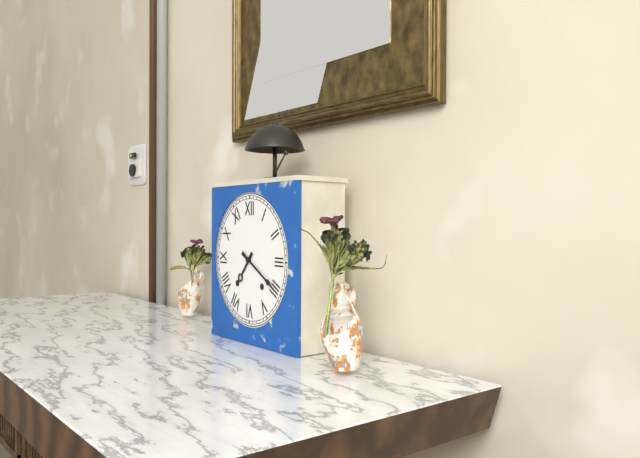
7:20
